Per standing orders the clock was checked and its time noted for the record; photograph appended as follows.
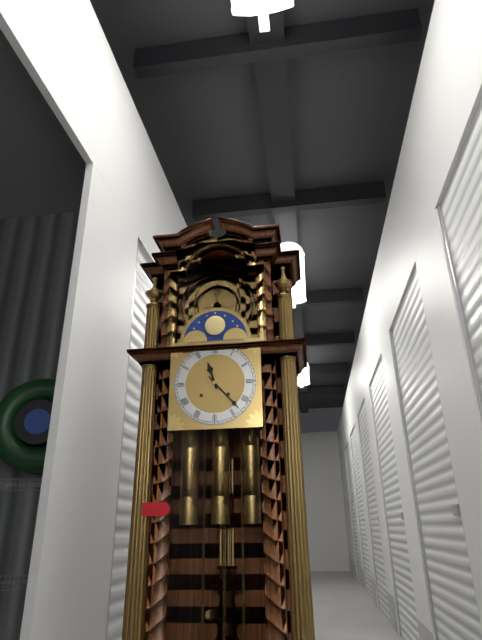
11:23
